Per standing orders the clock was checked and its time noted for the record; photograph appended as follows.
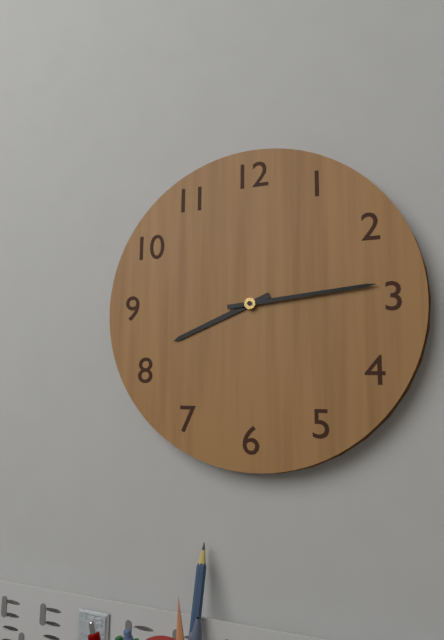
8:14
